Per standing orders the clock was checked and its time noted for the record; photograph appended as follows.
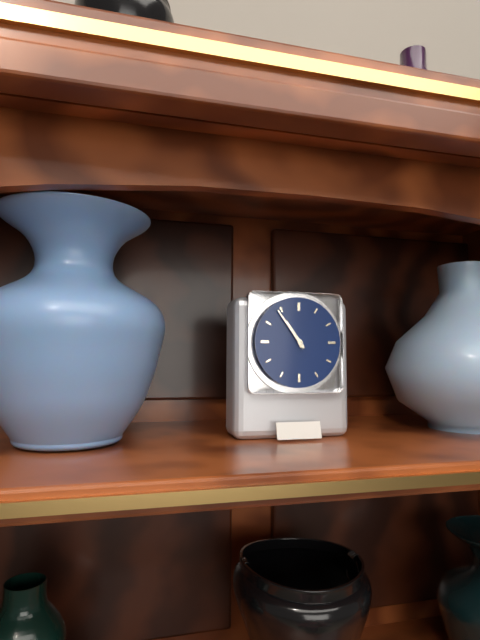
10:54
